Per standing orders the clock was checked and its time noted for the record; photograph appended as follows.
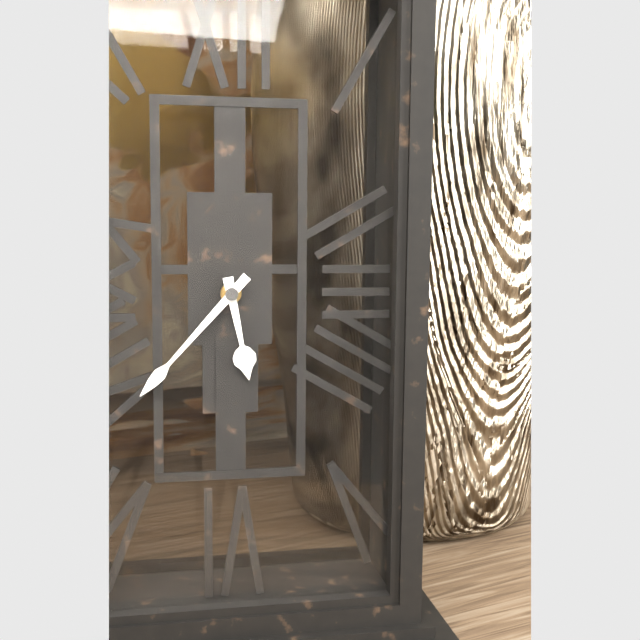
5:37
